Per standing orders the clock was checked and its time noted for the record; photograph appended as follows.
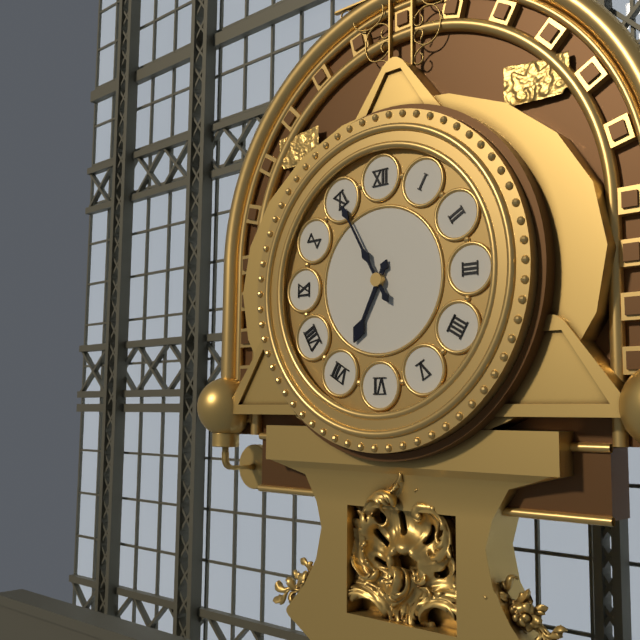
6:55
